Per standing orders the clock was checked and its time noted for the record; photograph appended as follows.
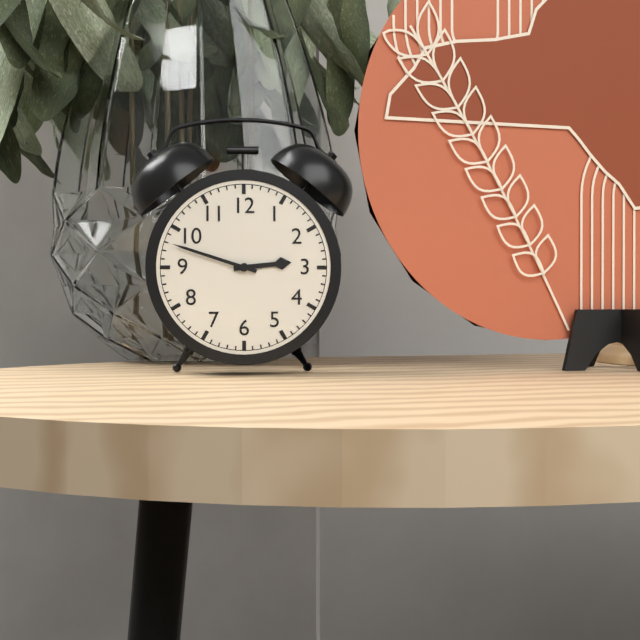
2:48
